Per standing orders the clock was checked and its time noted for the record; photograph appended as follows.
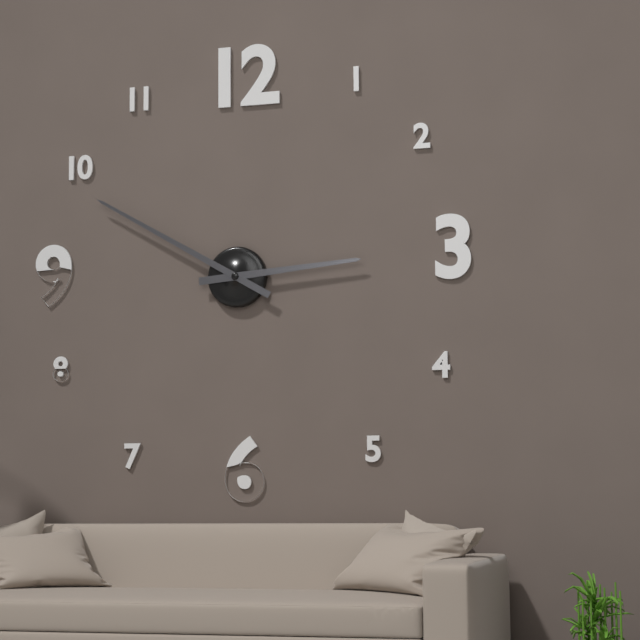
2:50
